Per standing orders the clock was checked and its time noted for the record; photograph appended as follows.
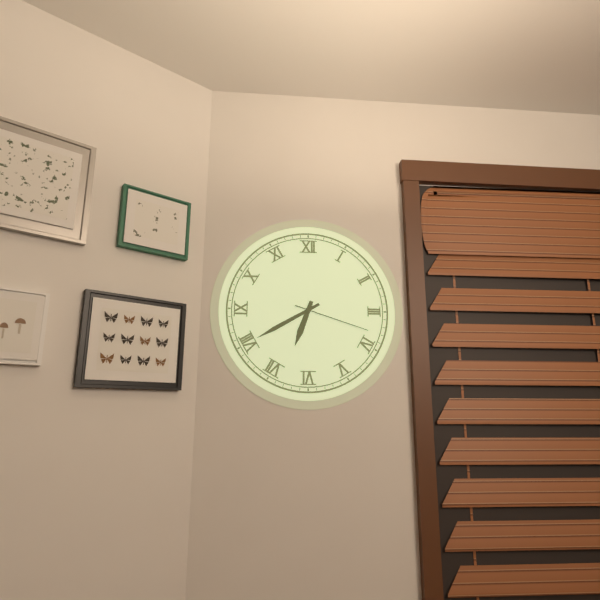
6:40:18
